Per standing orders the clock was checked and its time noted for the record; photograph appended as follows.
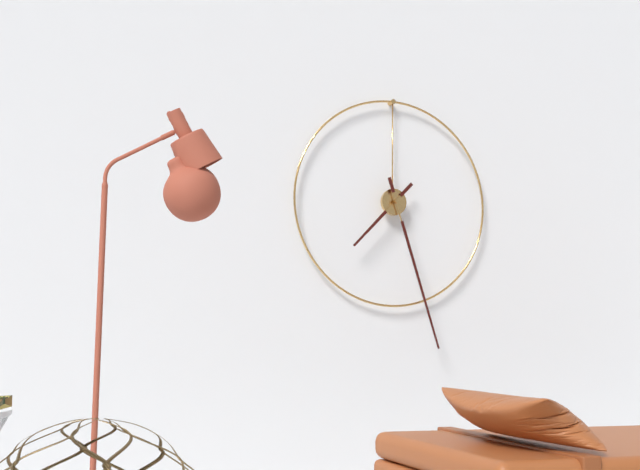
7:27
